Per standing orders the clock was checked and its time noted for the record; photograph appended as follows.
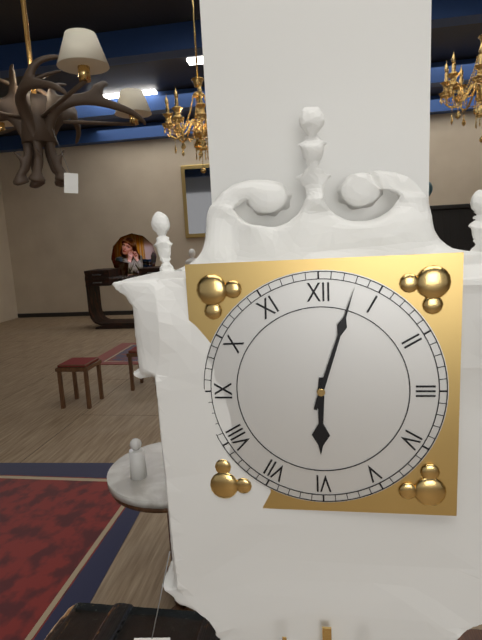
6:03
